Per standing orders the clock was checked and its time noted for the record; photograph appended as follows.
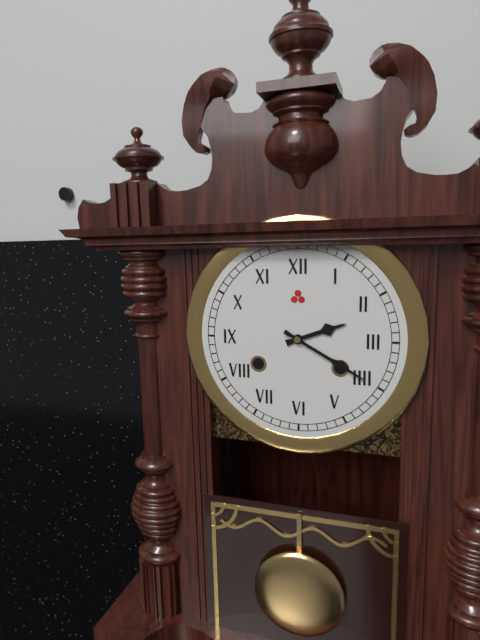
2:20
